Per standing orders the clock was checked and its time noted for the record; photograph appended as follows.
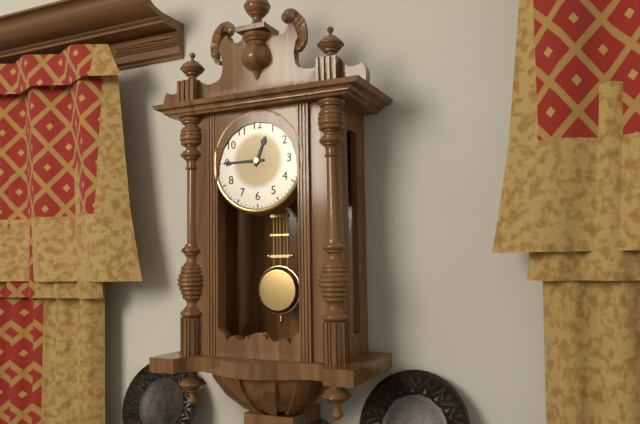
12:45
